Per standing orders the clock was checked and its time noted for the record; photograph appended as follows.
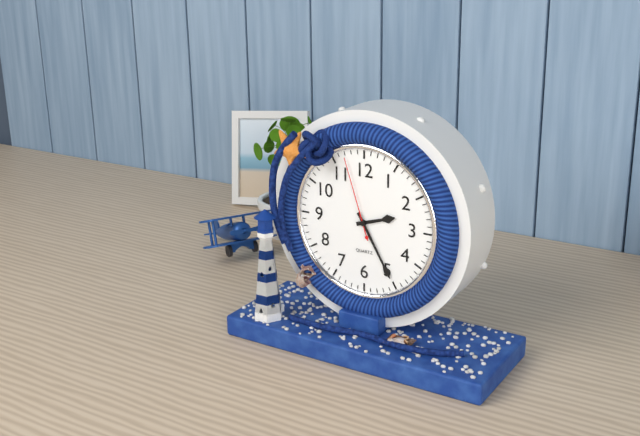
2:25:57
